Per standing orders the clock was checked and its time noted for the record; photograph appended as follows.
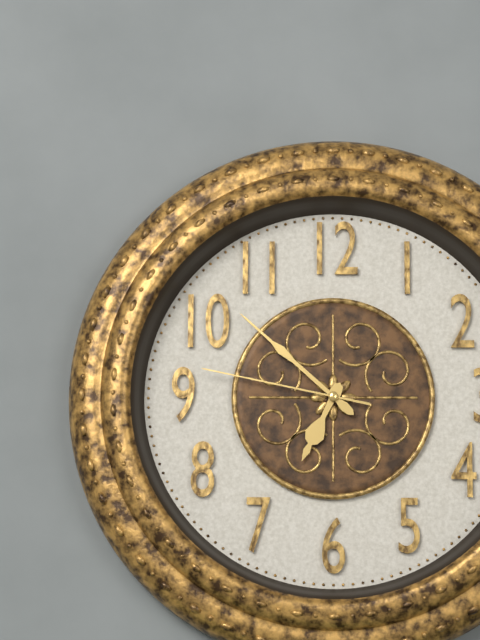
6:52:47
